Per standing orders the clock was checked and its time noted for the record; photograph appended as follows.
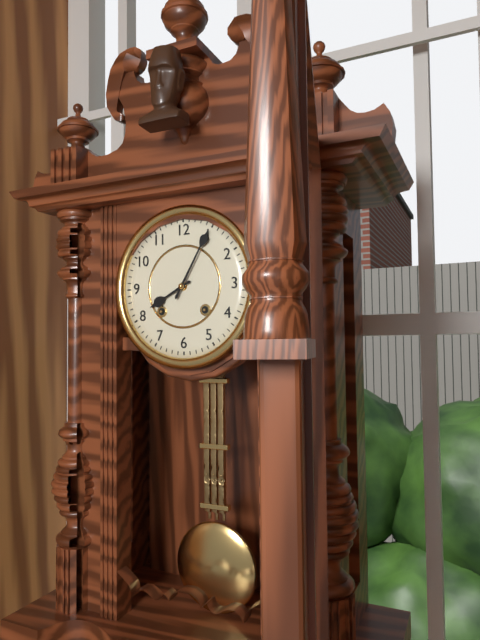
8:05
